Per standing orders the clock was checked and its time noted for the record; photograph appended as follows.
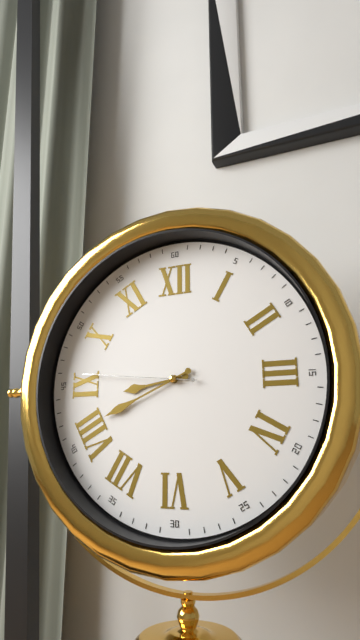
8:41:46
